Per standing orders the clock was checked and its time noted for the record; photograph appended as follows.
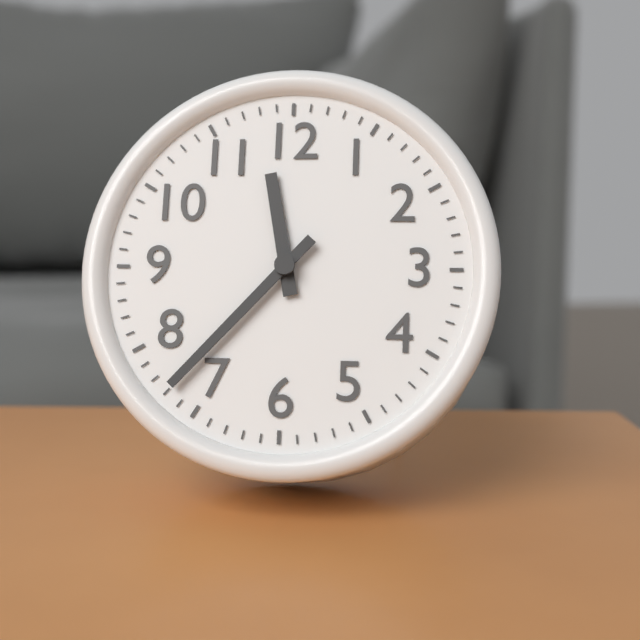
11:37
